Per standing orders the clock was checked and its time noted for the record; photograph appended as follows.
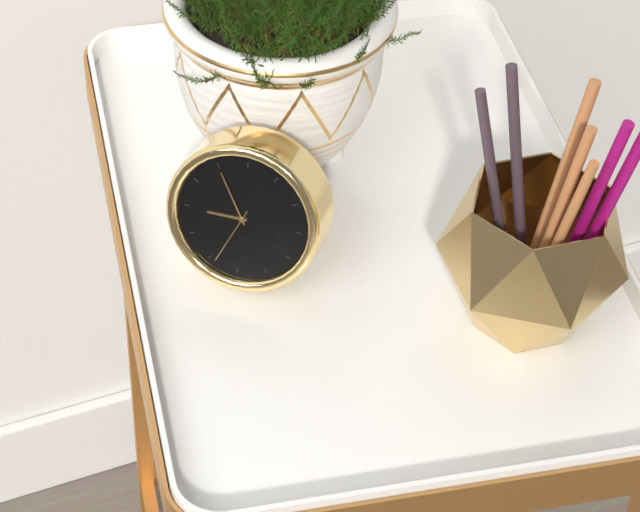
8:55:34
